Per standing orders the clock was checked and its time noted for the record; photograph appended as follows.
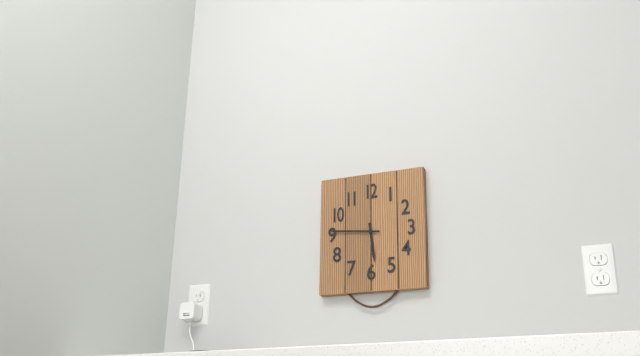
5:46
